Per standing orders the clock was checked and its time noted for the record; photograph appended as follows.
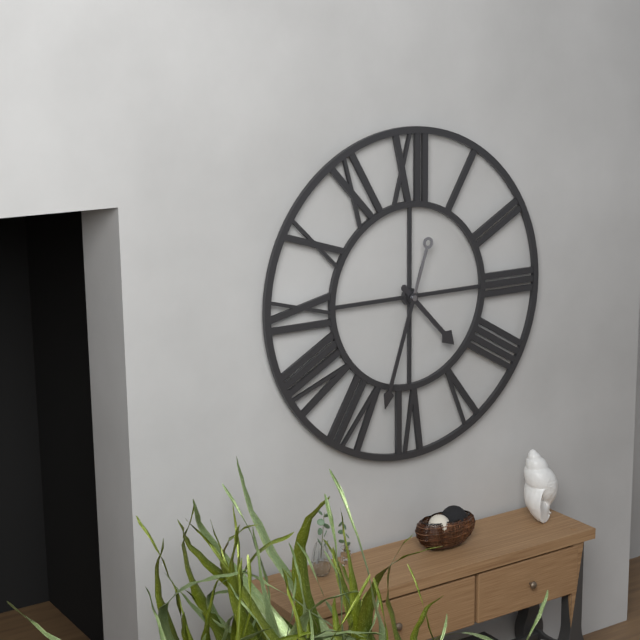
4:33
